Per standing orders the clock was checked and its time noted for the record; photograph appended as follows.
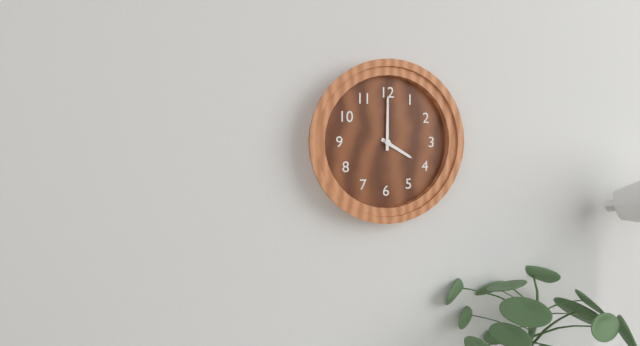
4:00
